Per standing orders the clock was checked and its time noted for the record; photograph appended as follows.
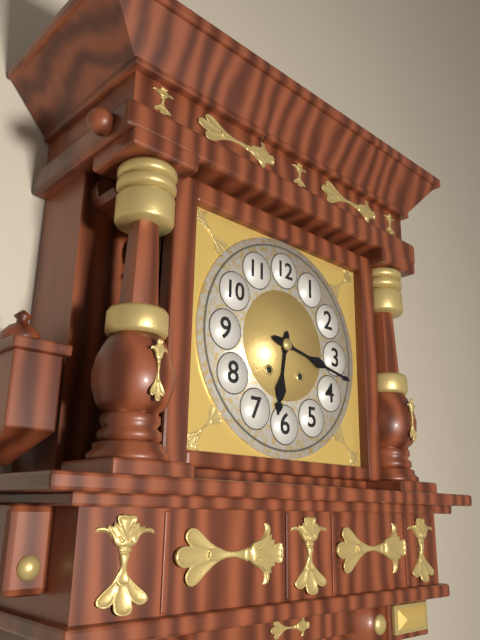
6:17
